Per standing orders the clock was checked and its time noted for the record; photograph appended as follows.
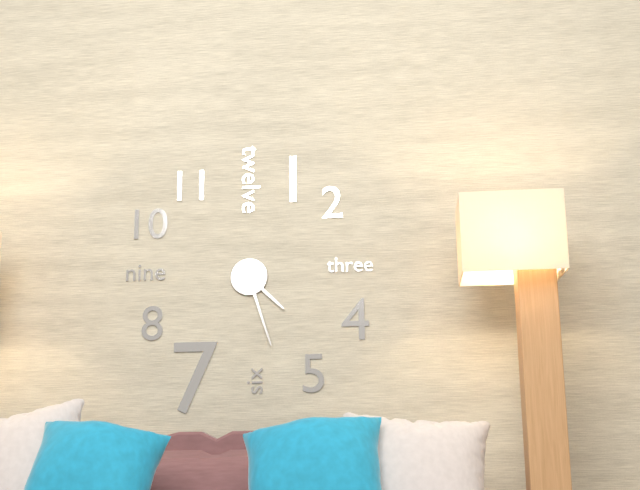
4:27
